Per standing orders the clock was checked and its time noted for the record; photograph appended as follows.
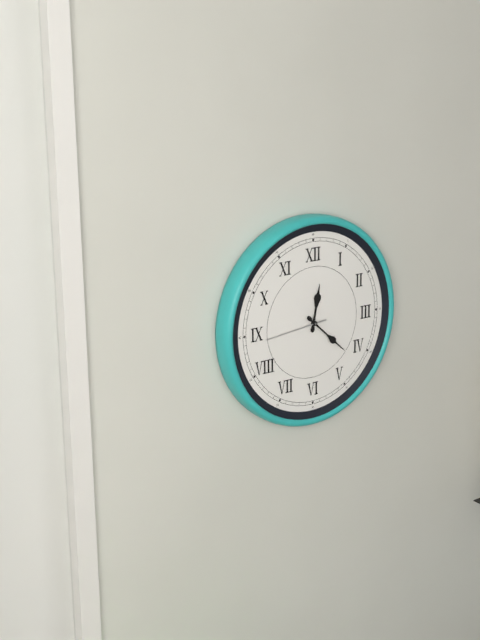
12:22:44
